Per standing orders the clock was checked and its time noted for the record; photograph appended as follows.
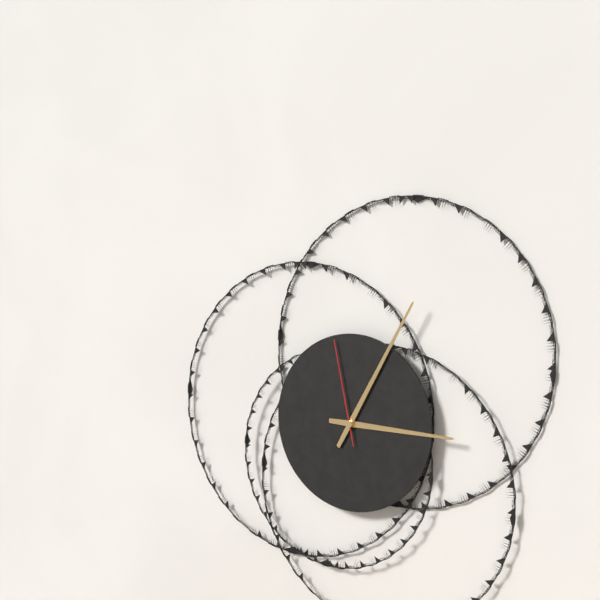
3:05:58
